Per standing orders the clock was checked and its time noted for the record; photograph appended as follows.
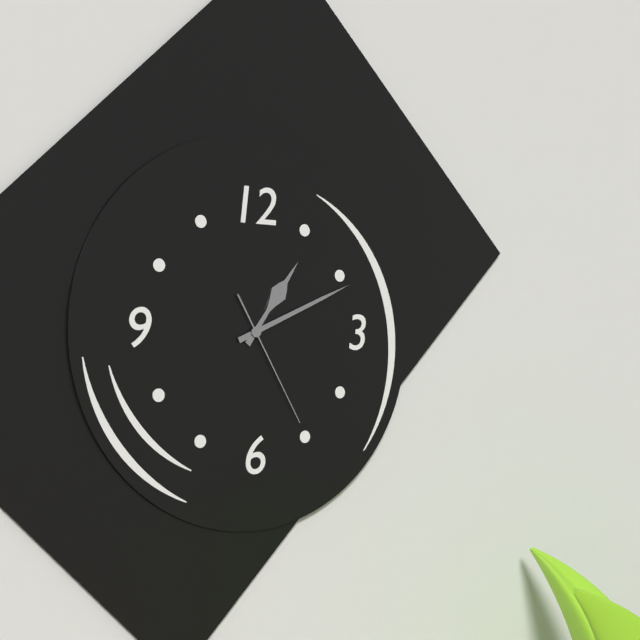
1:11:25
